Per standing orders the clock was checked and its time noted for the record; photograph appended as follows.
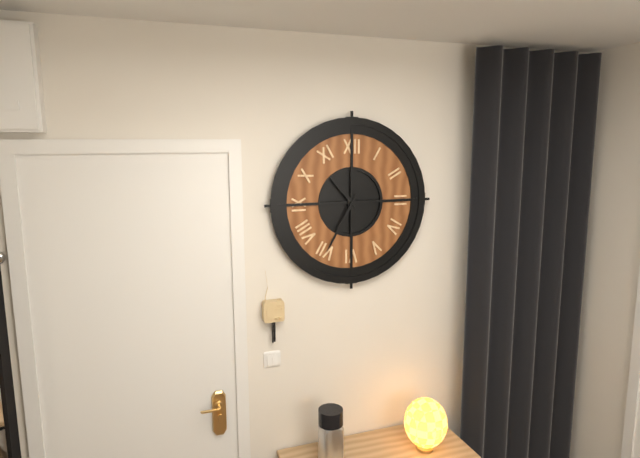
10:35
